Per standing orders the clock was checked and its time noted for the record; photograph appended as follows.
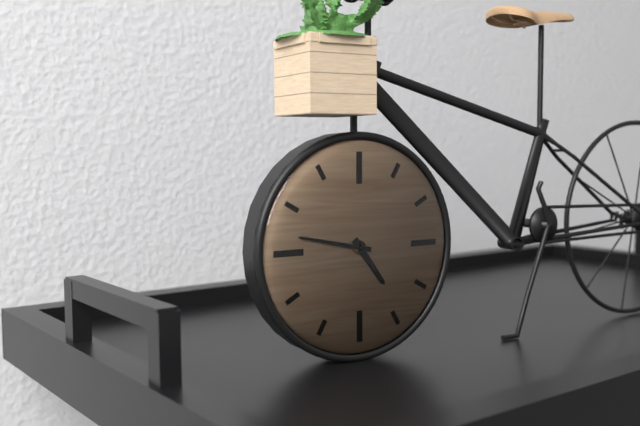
4:47
